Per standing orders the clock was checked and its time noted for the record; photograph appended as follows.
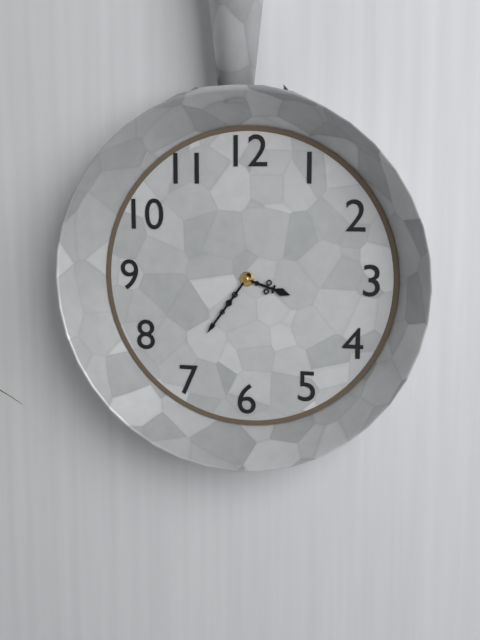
3:36
